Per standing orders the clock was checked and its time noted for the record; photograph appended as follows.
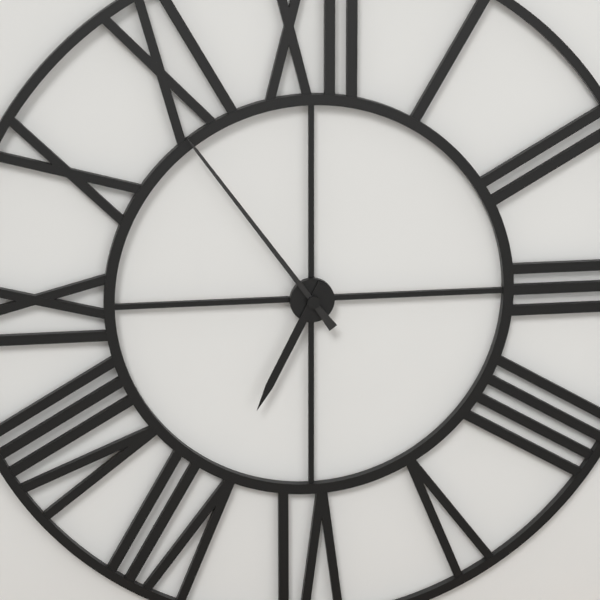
6:54
